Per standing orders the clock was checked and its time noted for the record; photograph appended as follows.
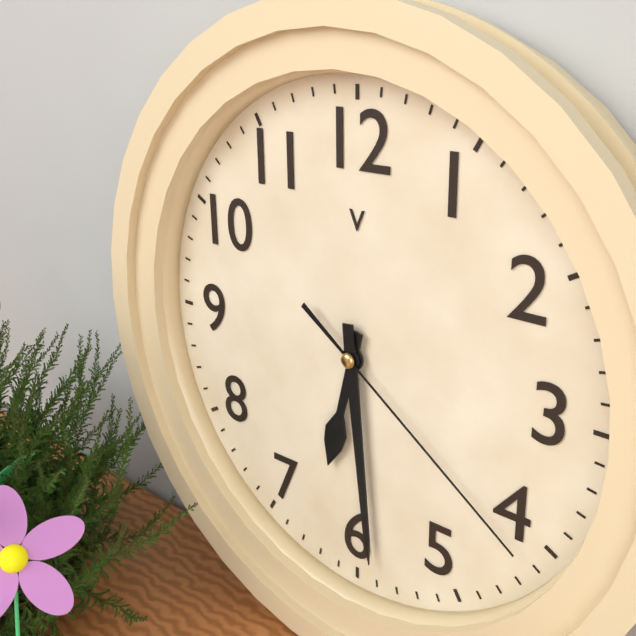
6:29:21
